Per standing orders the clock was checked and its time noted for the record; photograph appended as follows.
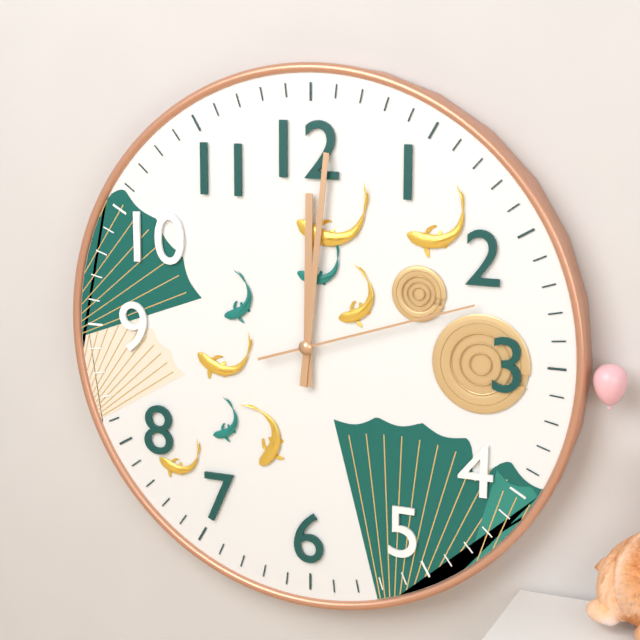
12:01:12
